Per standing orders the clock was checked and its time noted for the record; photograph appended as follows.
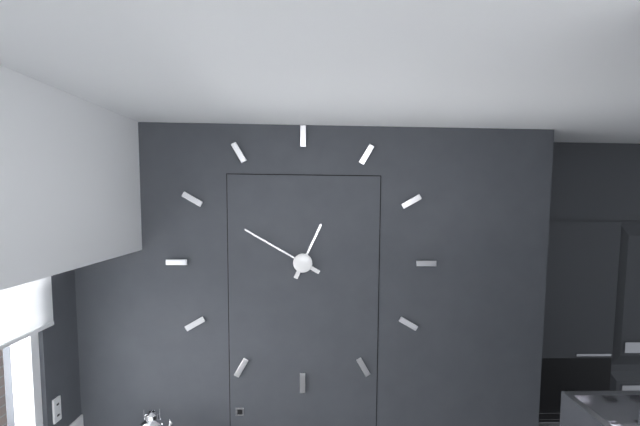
12:50
